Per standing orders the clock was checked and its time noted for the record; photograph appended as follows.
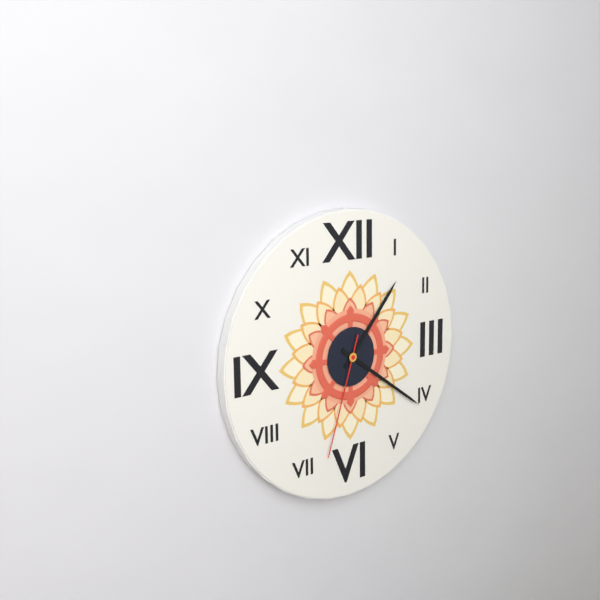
1:21:33
